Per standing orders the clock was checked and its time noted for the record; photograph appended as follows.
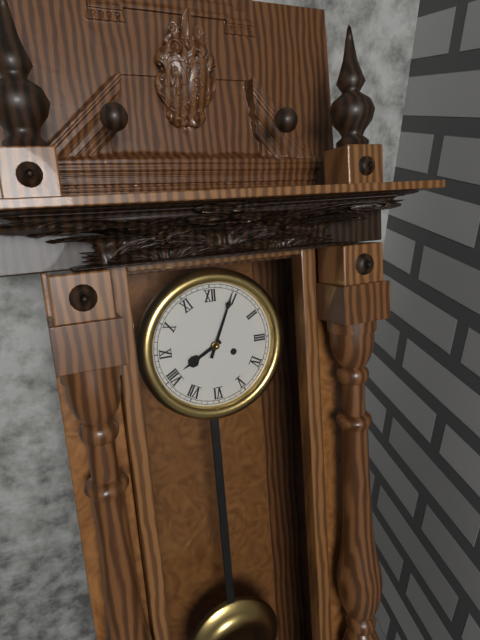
8:04
